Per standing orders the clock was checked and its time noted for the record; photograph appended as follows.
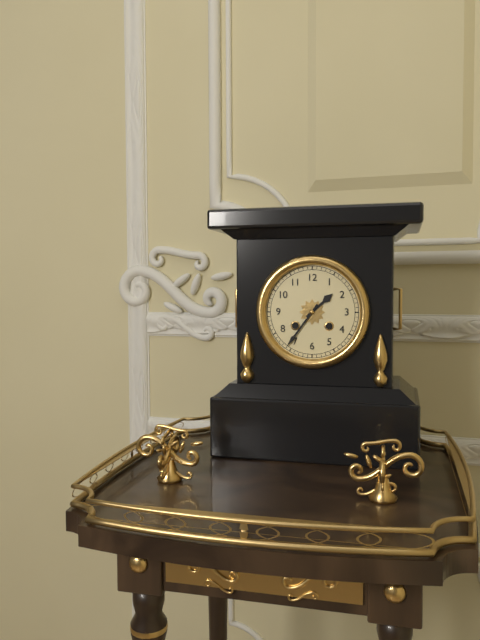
1:36
